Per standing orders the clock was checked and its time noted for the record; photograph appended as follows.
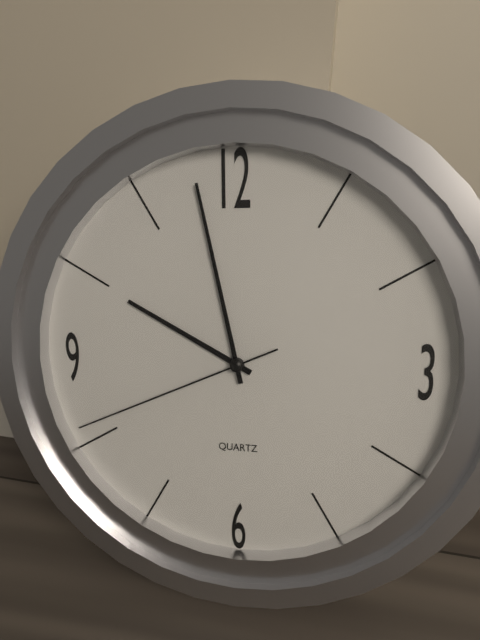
9:58:41
